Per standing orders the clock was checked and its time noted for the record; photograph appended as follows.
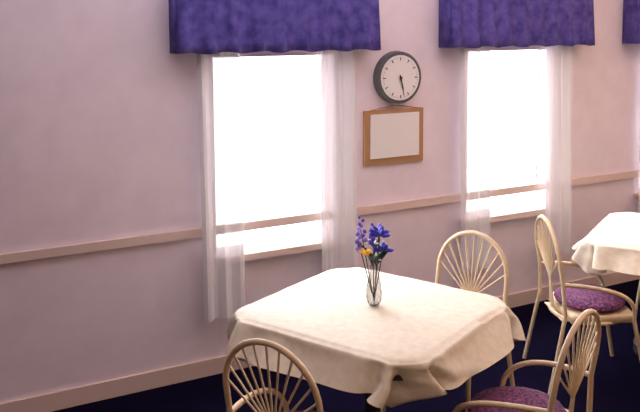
5:28
